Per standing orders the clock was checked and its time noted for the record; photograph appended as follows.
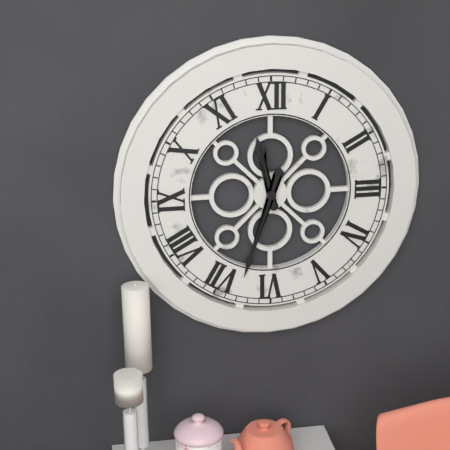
11:33
